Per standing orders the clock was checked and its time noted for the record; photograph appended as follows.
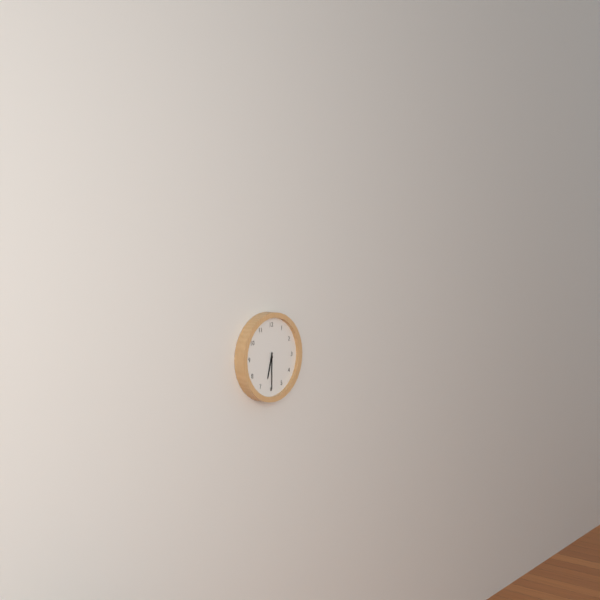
6:30
